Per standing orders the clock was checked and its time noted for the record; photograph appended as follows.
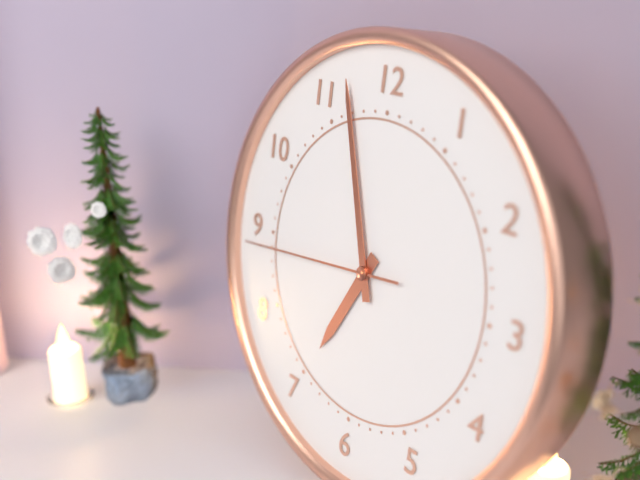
6:57:44
